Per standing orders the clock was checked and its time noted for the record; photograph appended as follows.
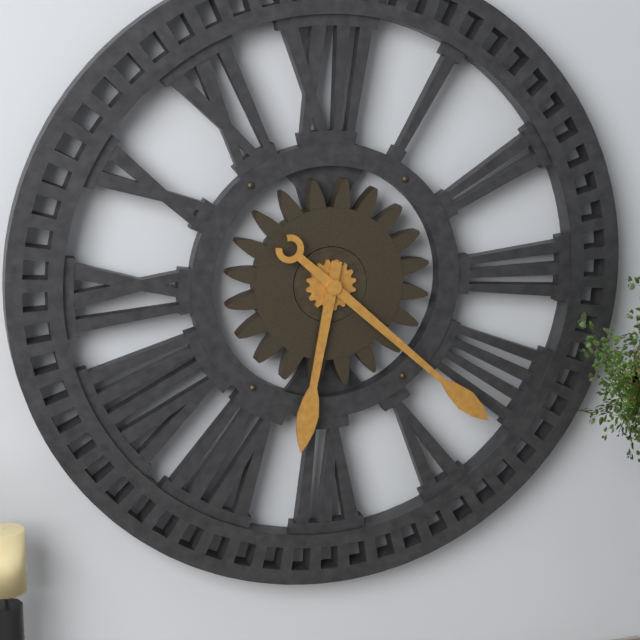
6:22
